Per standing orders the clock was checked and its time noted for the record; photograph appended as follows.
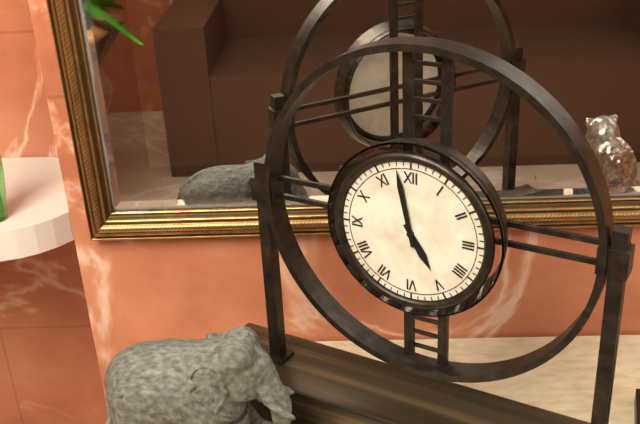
4:58
